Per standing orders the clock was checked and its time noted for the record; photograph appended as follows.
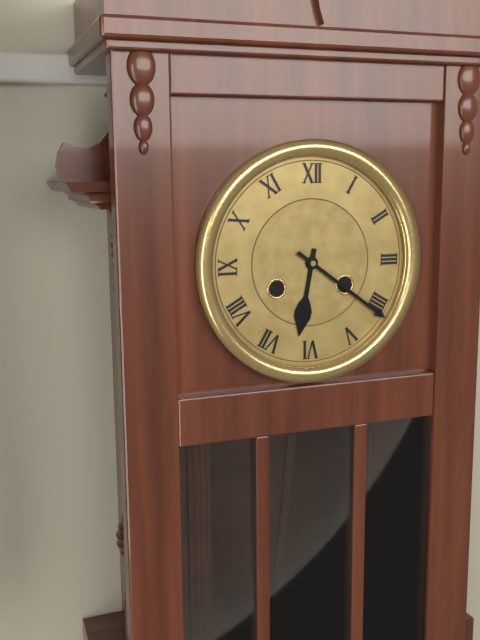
6:21
